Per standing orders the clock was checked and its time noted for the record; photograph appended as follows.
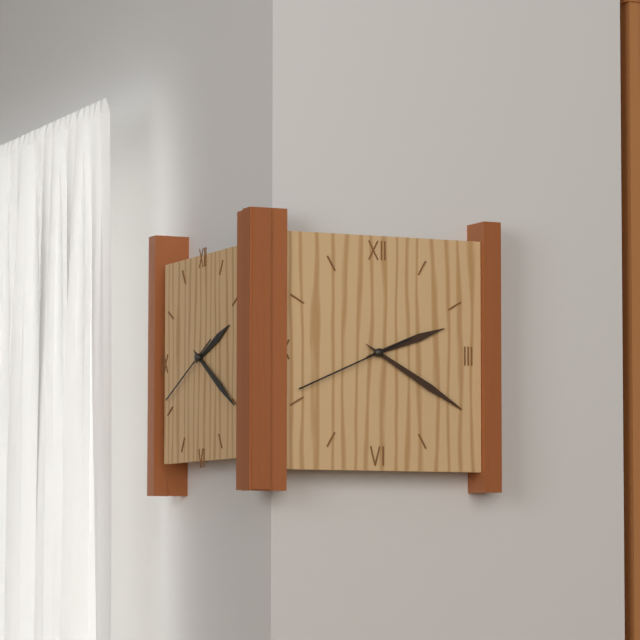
2:20:41
